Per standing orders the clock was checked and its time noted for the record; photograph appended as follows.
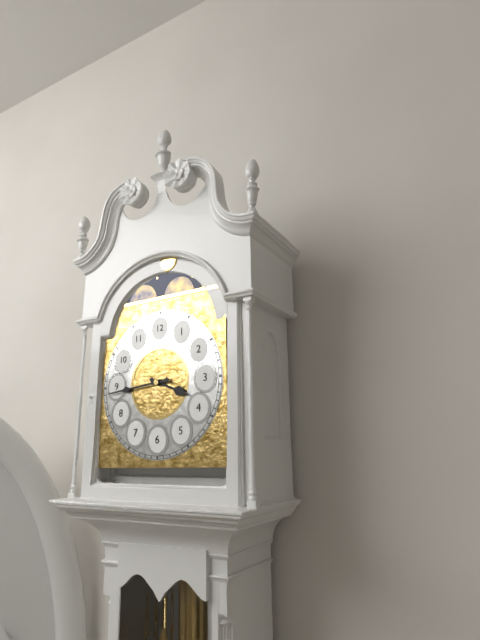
3:44
